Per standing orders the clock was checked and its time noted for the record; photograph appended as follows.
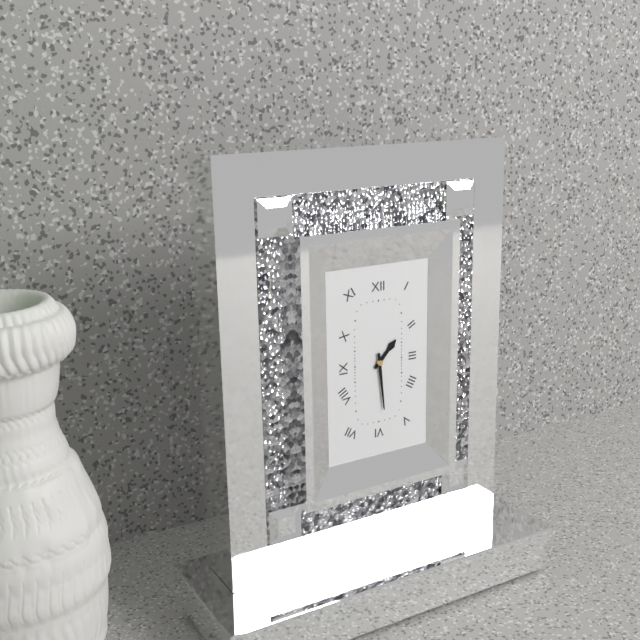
1:29
